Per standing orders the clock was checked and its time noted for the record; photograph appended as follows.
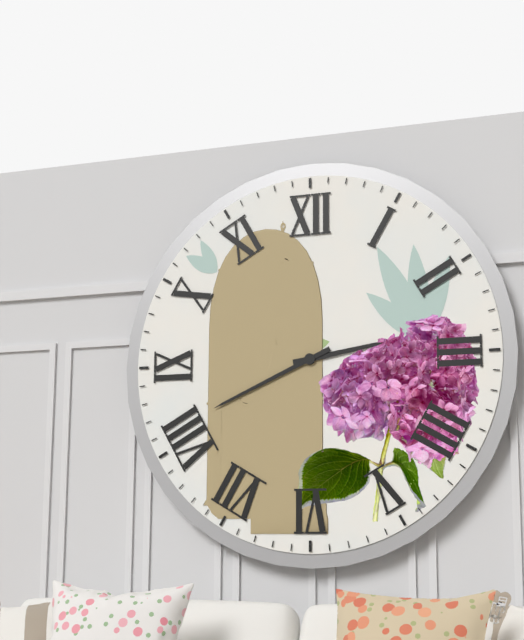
2:41
